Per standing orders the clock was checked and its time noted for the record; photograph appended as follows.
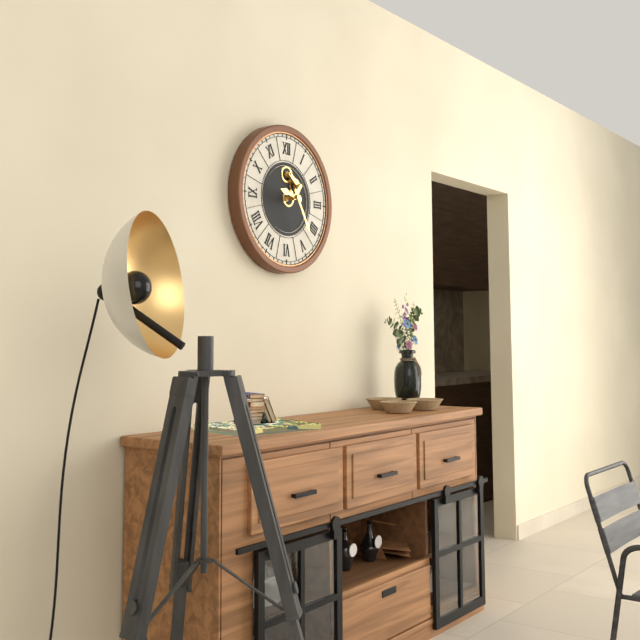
9:25
